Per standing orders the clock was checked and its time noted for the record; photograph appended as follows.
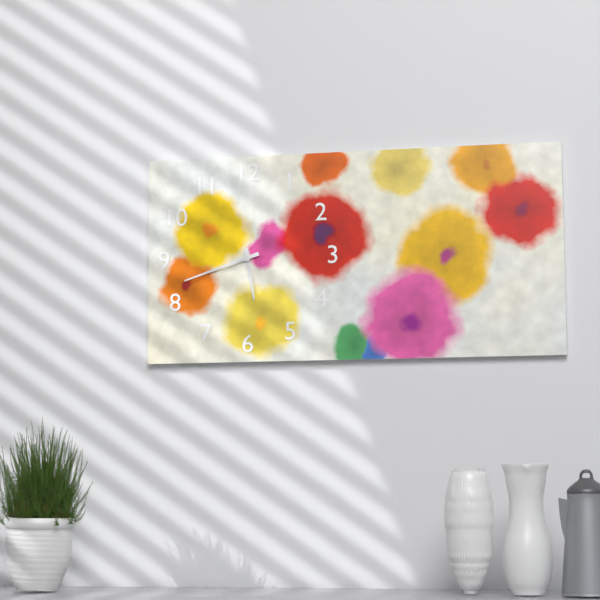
5:42
